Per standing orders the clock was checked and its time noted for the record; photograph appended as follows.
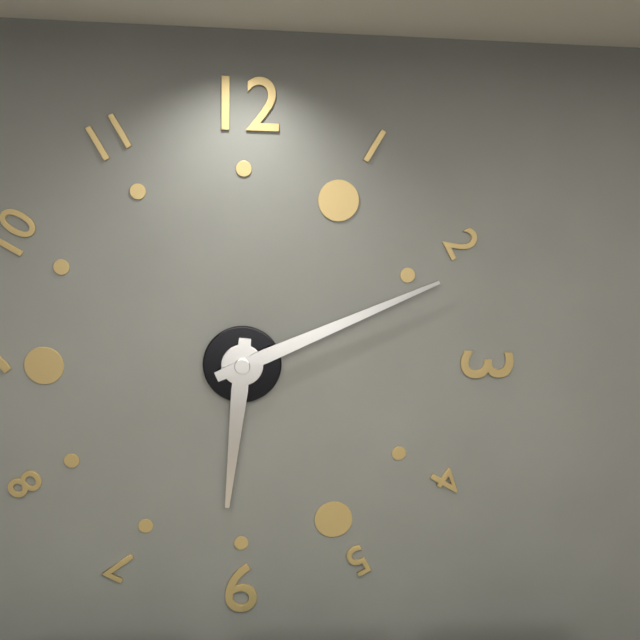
6:11
